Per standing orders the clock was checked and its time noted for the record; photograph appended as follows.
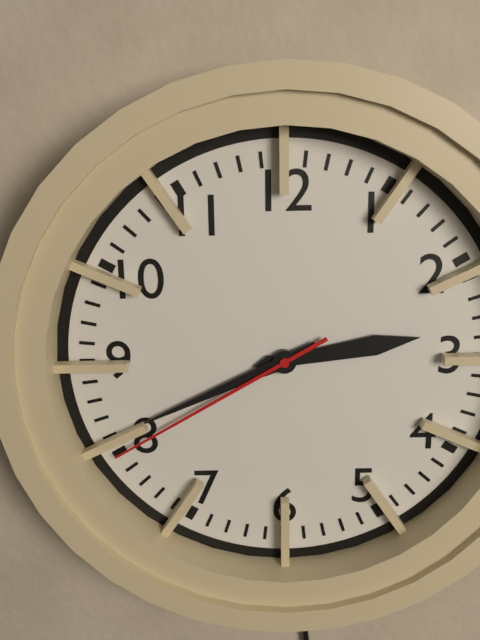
2:41:40
